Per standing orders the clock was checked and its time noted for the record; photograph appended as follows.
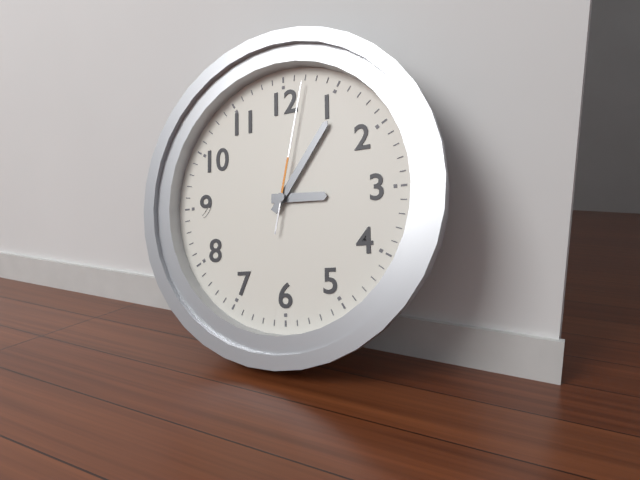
3:06:02
